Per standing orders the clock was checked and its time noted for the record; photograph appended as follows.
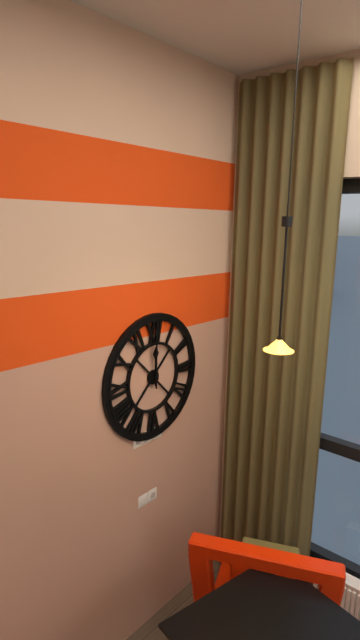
12:00
